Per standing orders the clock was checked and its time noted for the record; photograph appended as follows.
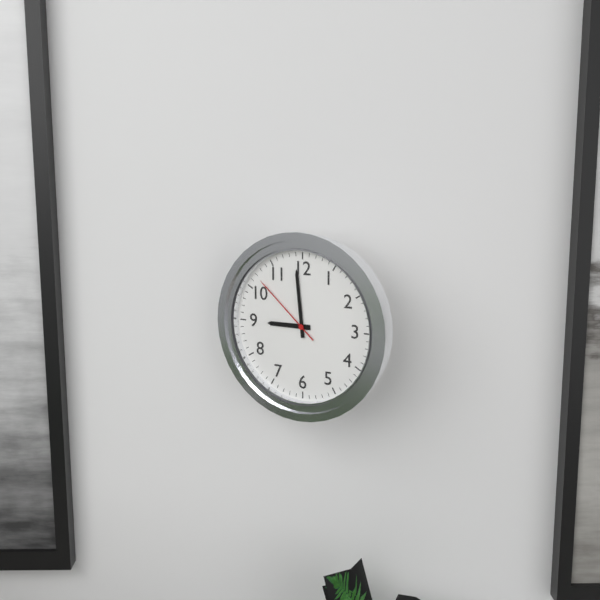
8:59:52
